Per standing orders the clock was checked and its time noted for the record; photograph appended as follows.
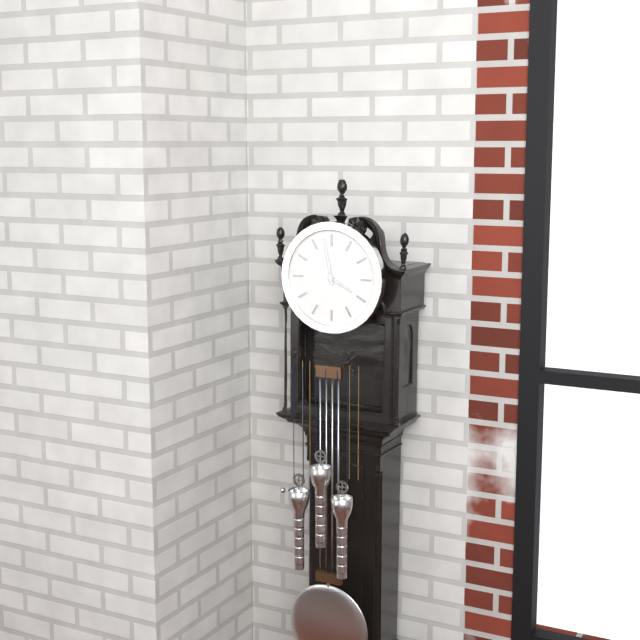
3:58
